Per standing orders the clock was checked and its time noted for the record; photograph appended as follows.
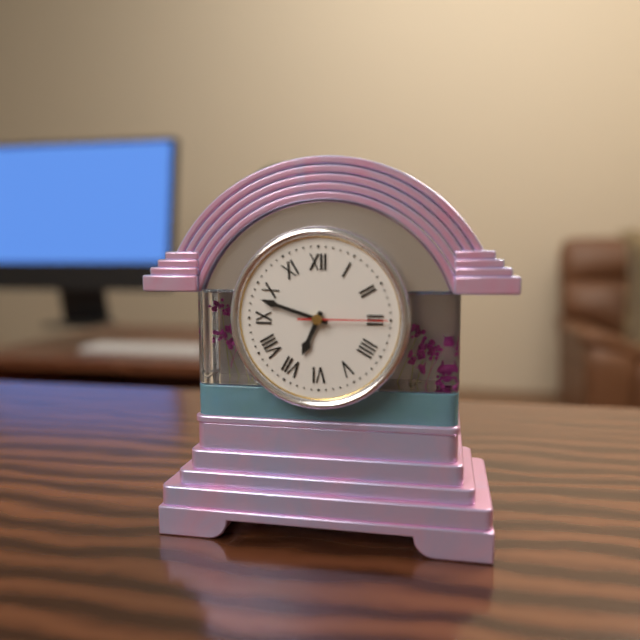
6:48:15
